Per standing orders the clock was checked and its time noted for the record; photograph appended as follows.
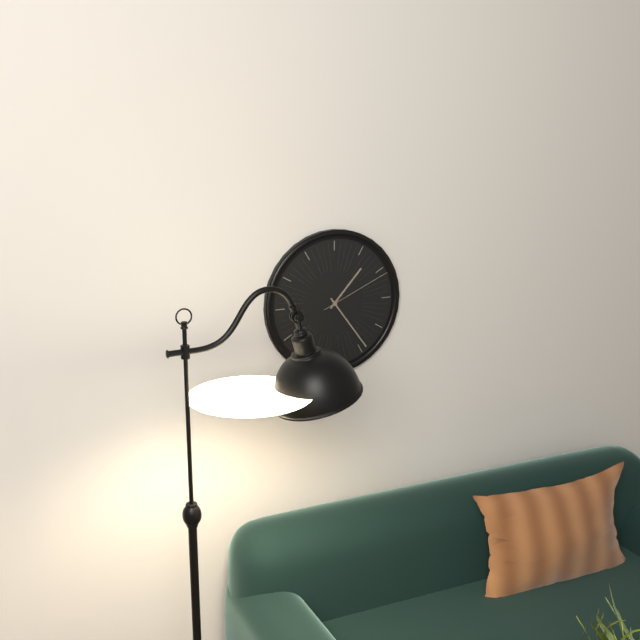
1:24:11
